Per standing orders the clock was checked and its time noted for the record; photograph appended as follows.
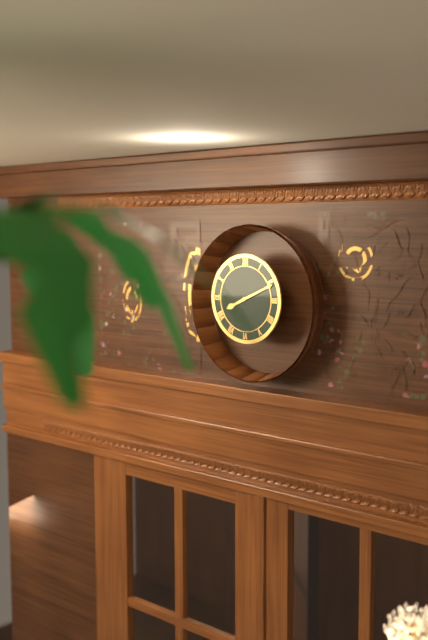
8:11
